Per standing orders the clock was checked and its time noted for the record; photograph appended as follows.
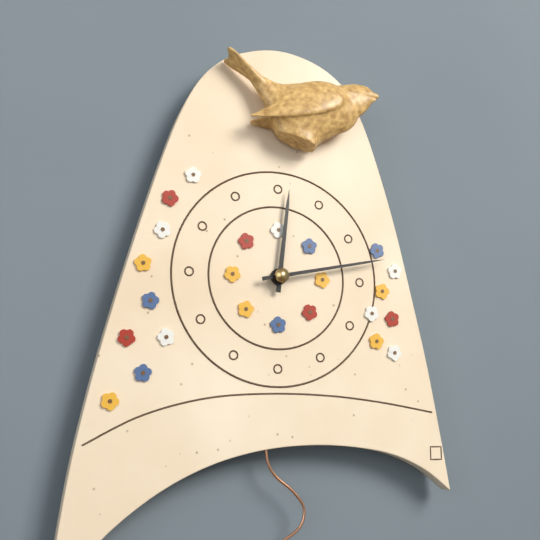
12:13
